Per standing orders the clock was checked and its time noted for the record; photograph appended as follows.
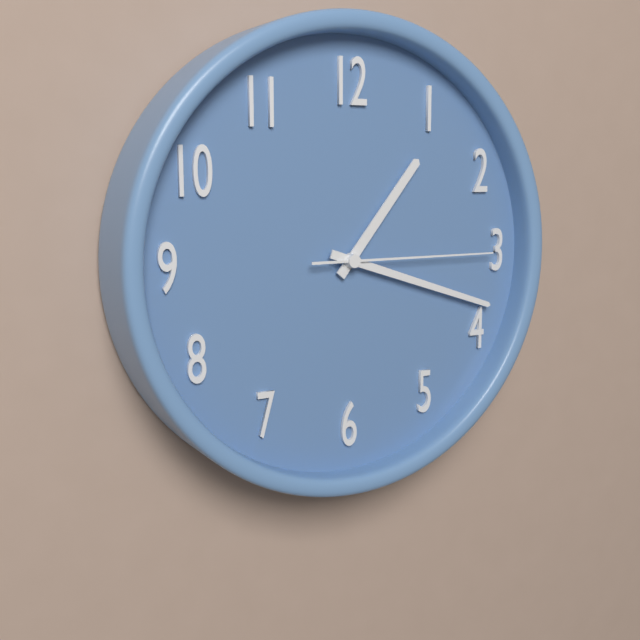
1:18:15
